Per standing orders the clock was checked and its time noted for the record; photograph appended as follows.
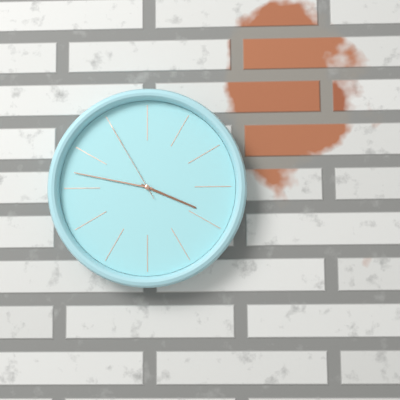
3:47:55
